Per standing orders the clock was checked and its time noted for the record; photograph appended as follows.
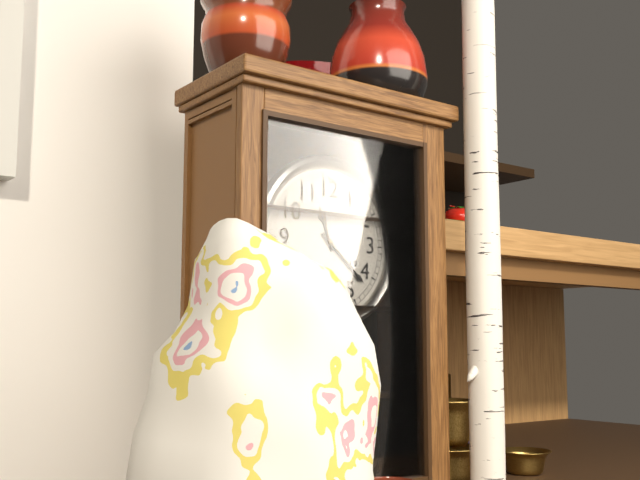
11:22
